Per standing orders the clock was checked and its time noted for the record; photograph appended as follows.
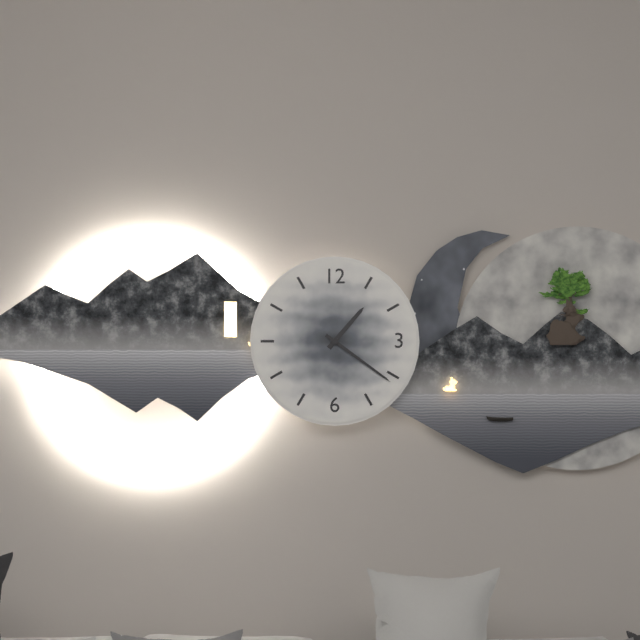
1:21
